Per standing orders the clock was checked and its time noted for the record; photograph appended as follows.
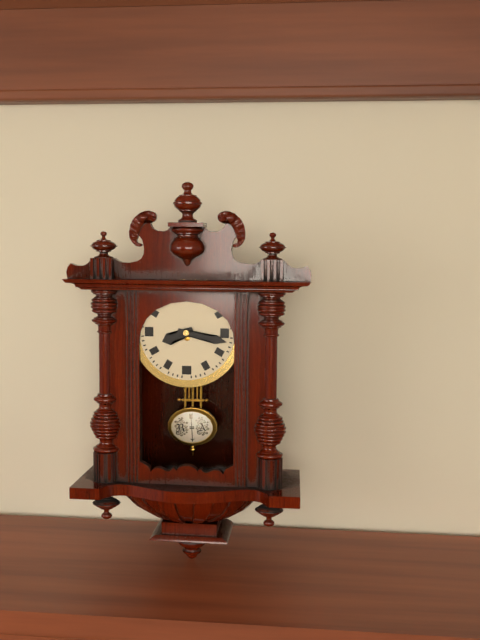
8:17
